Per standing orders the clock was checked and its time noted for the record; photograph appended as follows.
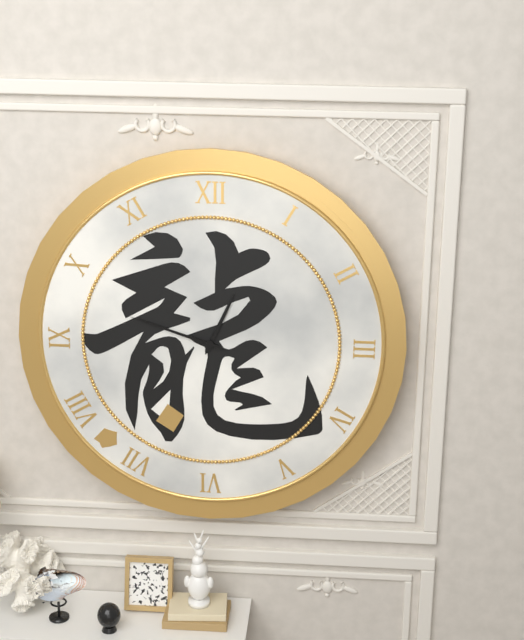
12:48
